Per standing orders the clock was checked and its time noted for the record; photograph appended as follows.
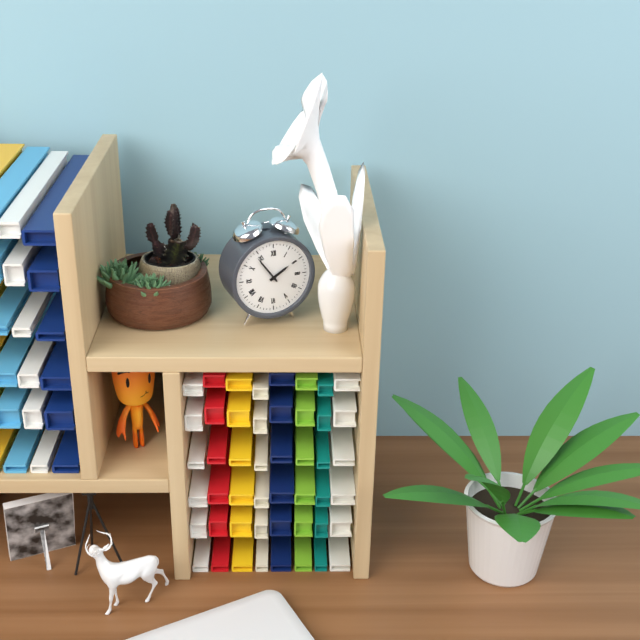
1:54
